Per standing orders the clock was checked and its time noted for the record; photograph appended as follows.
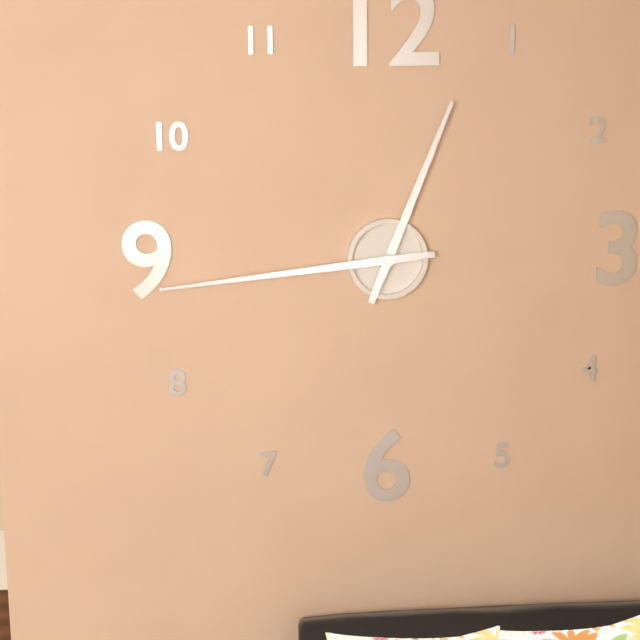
12:44
